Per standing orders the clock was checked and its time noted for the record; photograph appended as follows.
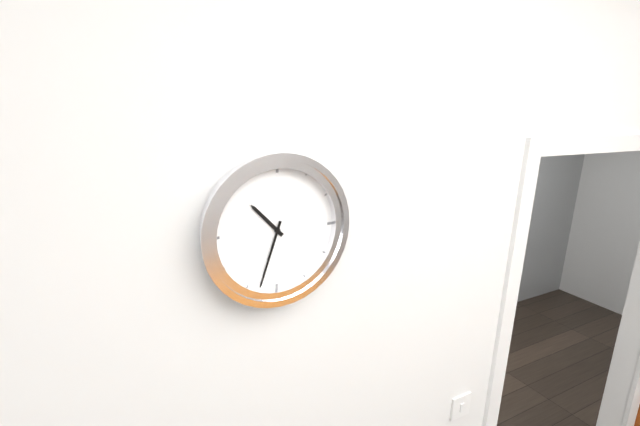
10:33
